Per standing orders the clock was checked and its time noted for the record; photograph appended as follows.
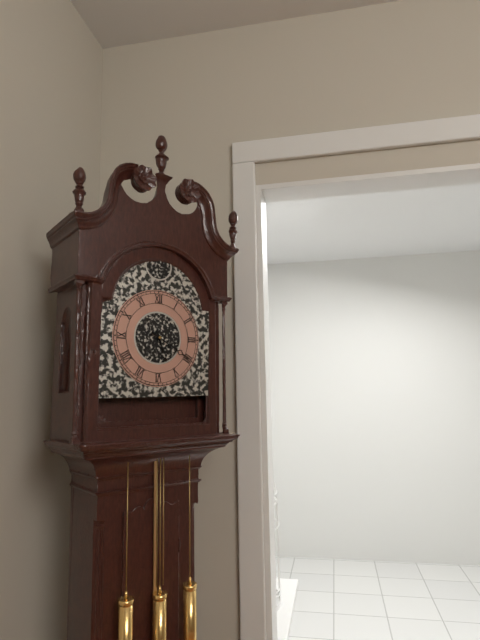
5:20
